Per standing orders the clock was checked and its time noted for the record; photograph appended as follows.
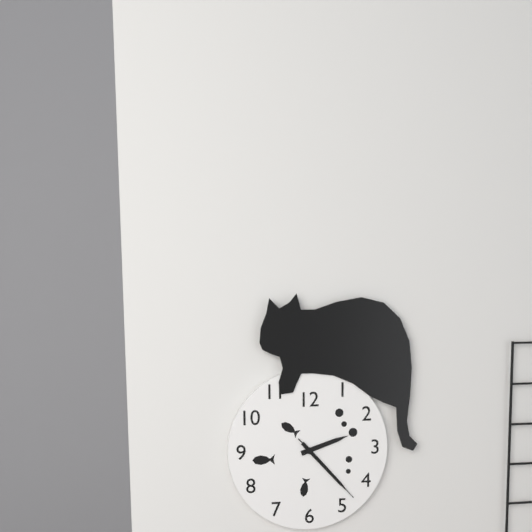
2:23:23
